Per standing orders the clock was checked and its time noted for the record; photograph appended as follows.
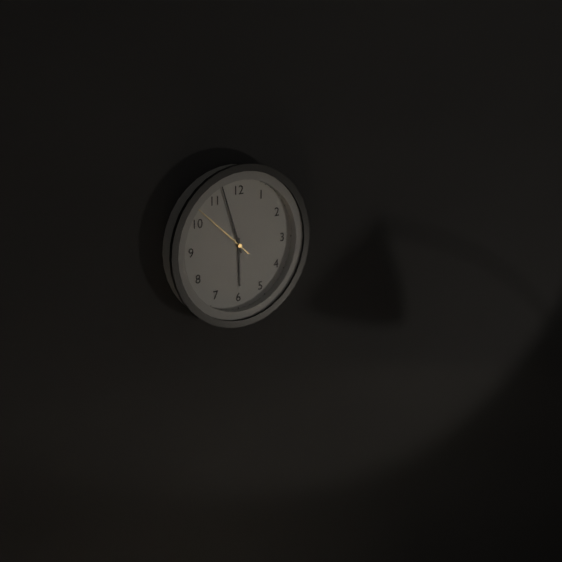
5:57:52
